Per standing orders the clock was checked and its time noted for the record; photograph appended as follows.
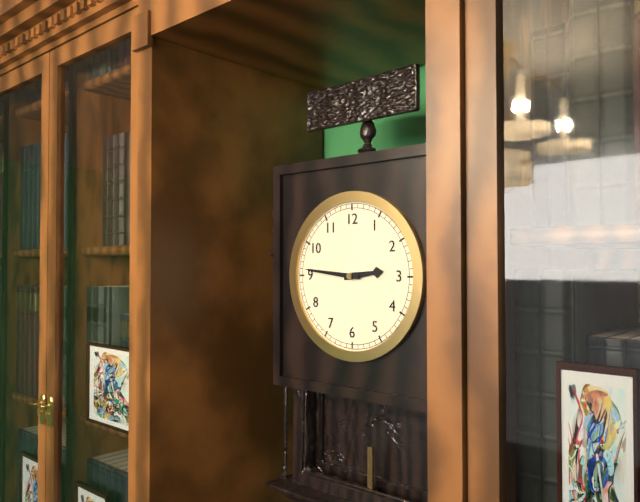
2:46
